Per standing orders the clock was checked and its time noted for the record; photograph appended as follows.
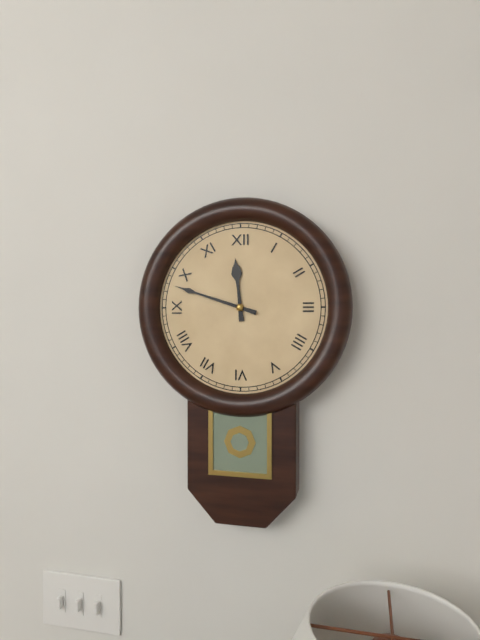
11:48
